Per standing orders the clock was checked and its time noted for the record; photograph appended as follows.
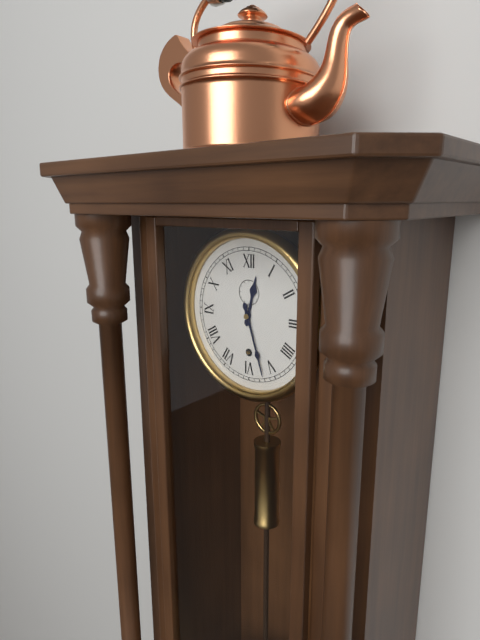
12:27
